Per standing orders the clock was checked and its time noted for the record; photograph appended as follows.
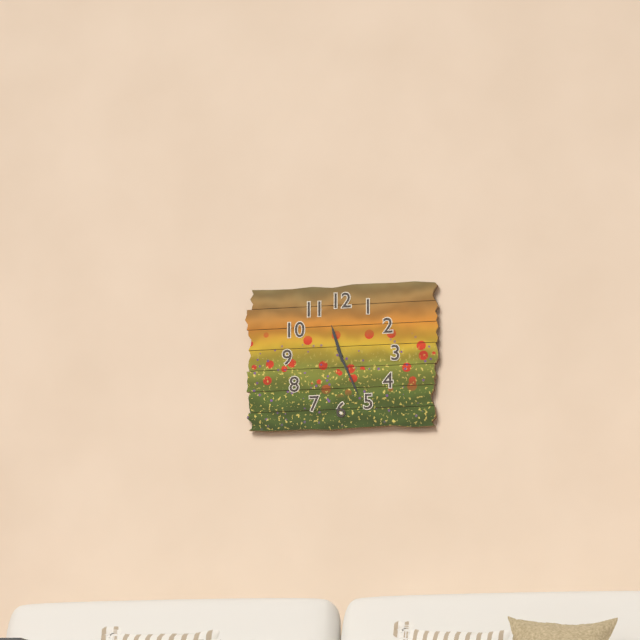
11:26
